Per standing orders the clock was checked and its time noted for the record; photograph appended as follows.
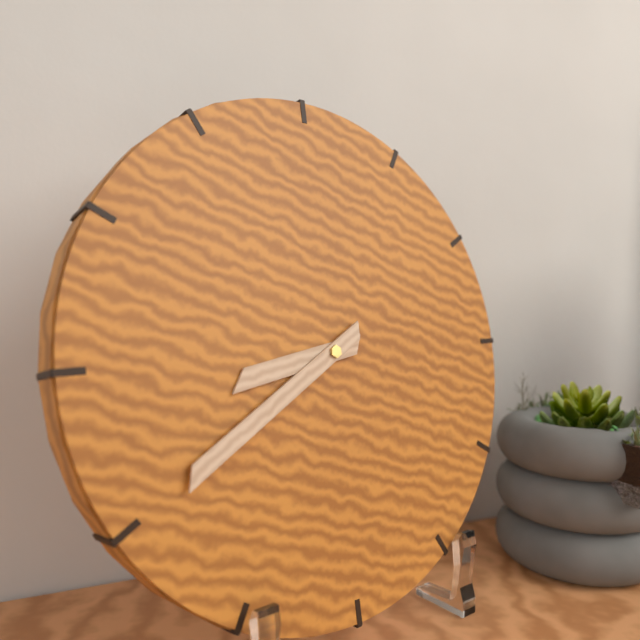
8:40
